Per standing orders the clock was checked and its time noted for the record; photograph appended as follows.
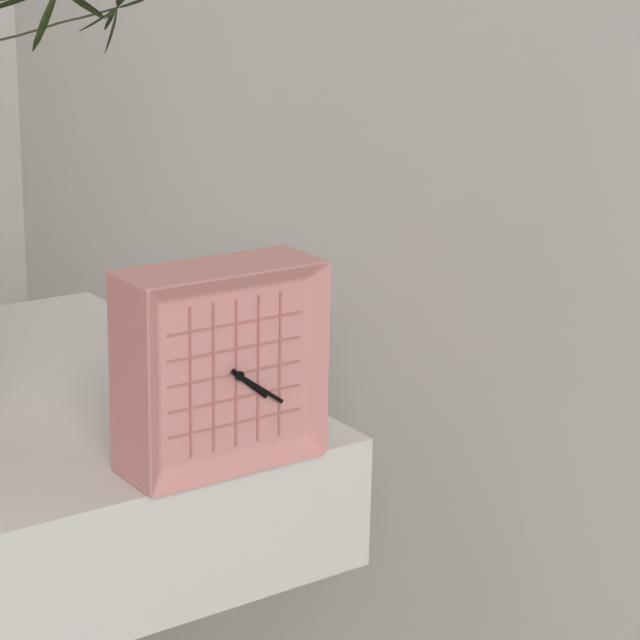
4:21
